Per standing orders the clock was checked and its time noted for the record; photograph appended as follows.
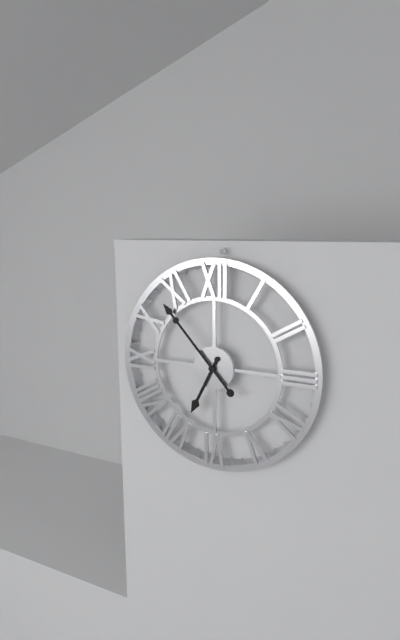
6:53
